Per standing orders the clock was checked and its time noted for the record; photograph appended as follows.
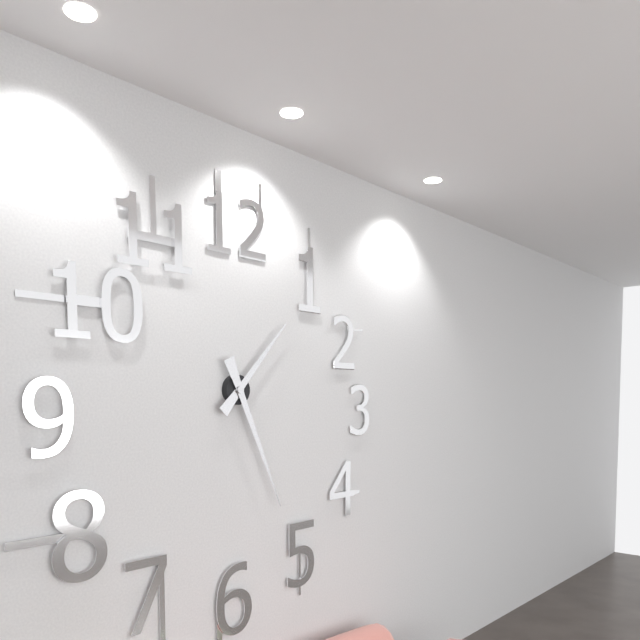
1:26
